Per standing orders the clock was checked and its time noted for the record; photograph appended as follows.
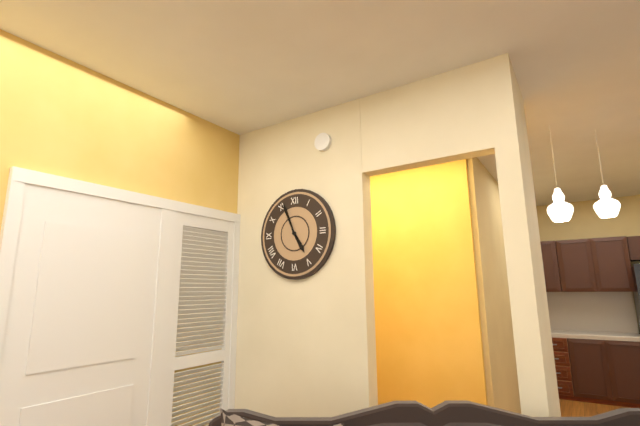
4:56
